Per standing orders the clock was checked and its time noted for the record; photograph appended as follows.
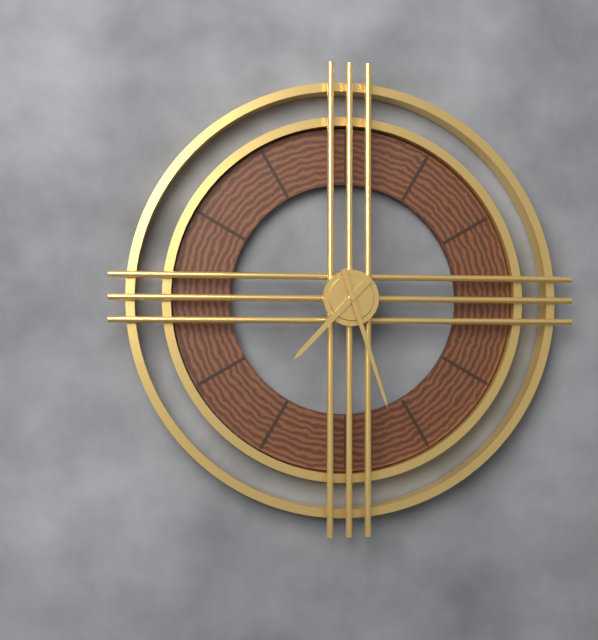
7:27
